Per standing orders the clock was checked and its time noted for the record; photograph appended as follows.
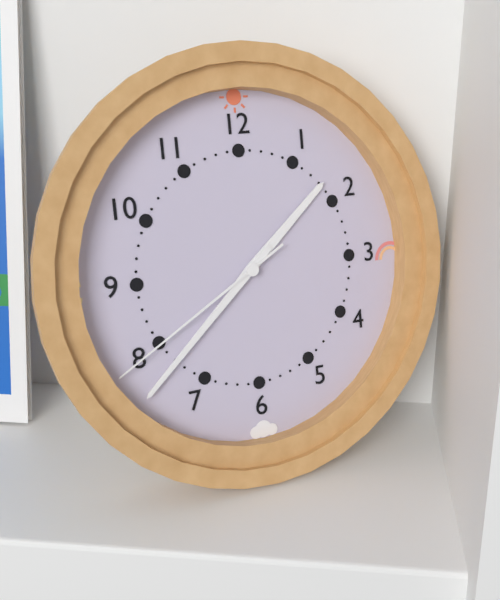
1:38:40
